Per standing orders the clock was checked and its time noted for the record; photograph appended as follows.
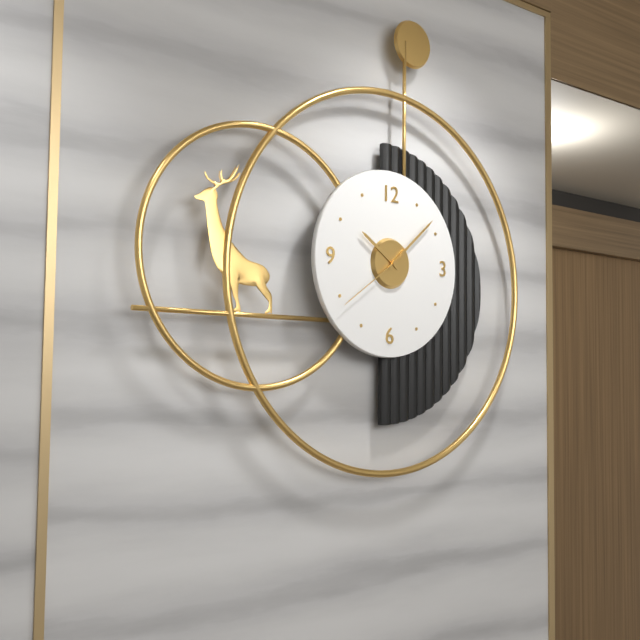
10:08:39
